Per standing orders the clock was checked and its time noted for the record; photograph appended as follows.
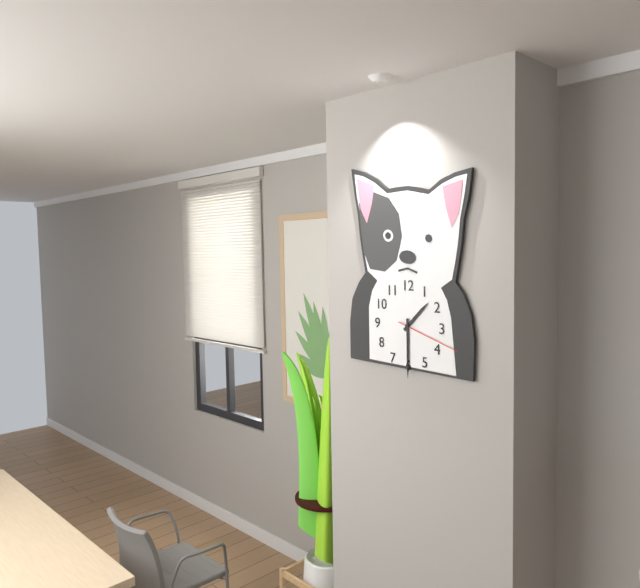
1:30:18
